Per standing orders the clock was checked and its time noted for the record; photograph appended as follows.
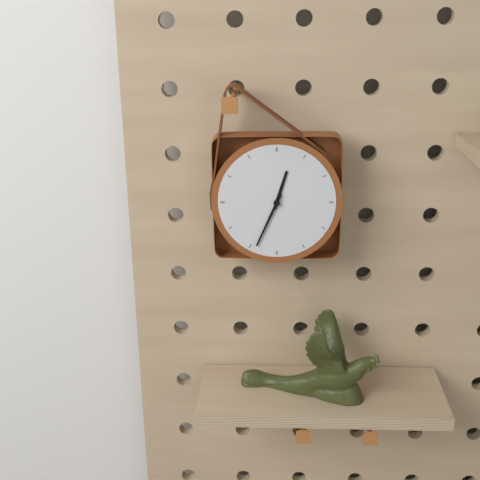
12:34
